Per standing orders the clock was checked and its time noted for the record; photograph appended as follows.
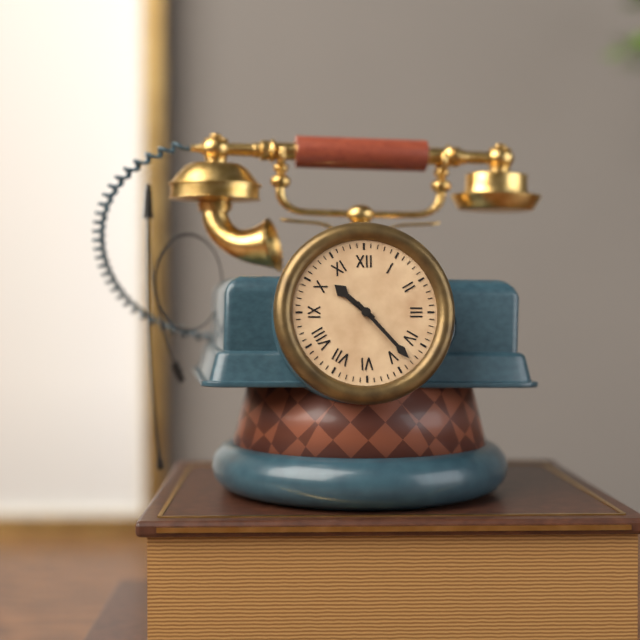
10:23
